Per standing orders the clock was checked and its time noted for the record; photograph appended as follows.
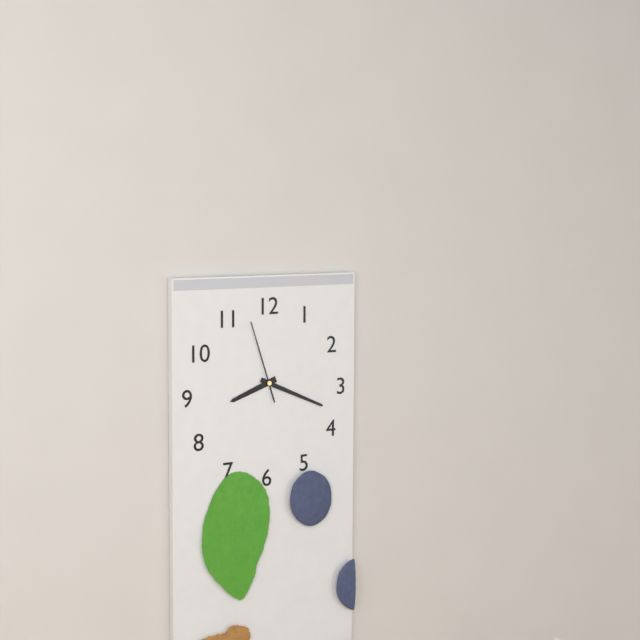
8:19:57
